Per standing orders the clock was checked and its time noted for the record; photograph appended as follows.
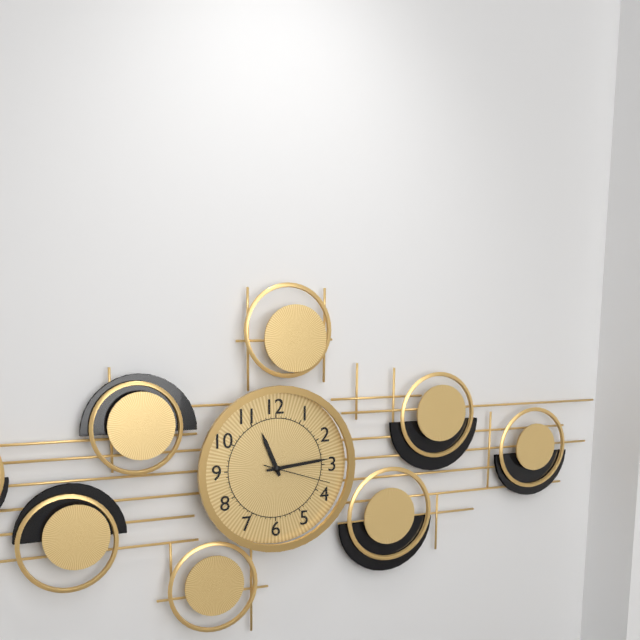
11:14:18
